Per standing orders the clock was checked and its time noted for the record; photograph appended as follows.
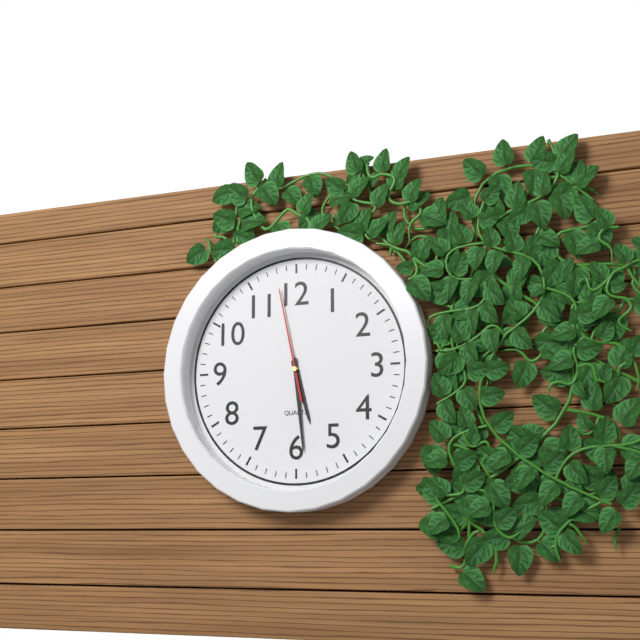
5:29:58
